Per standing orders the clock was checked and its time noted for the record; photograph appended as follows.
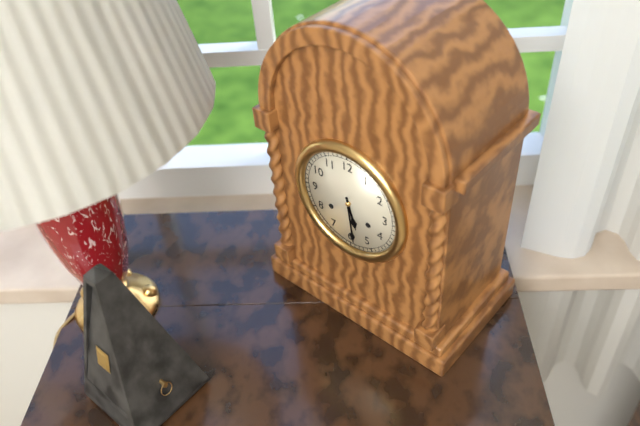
5:29
